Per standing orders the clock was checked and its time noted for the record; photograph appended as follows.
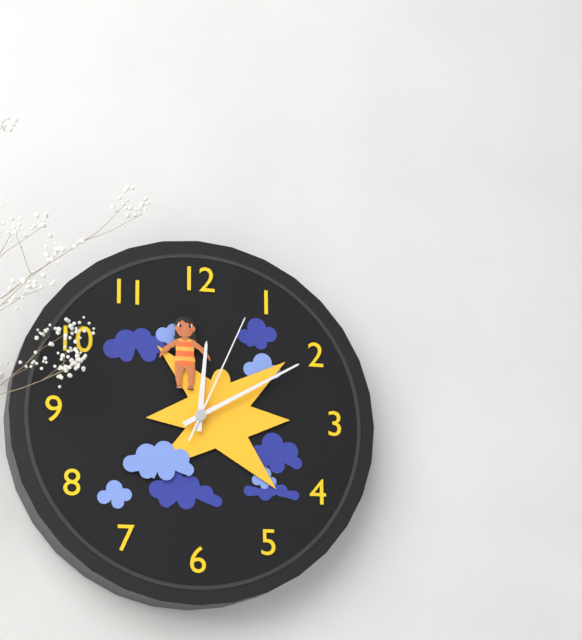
12:10:04
